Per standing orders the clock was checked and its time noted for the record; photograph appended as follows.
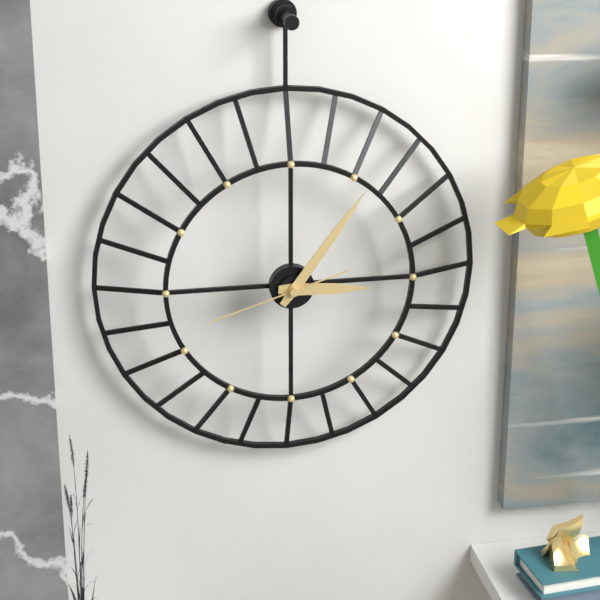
3:06:42
